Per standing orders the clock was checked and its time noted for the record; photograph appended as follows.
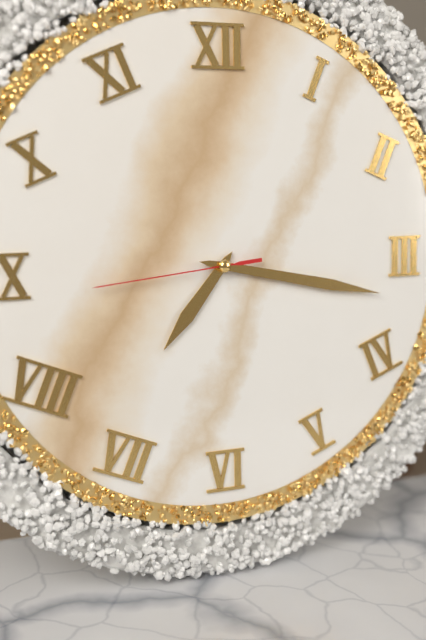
7:17:44
